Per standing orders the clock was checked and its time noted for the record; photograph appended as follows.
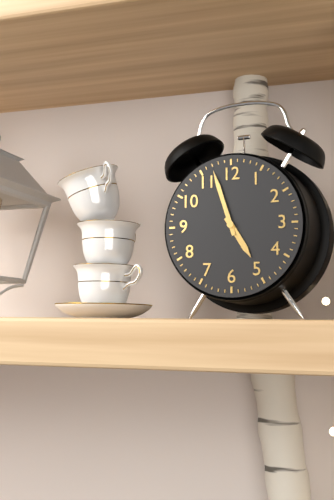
4:57
